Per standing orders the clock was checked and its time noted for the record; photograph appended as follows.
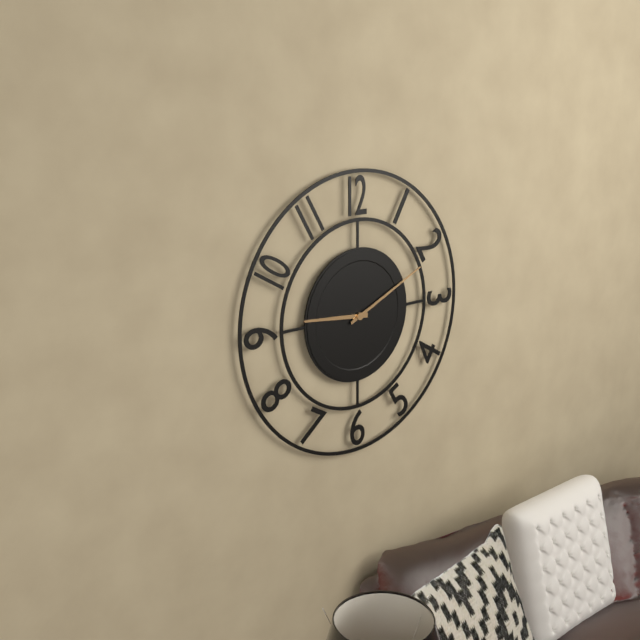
9:11
